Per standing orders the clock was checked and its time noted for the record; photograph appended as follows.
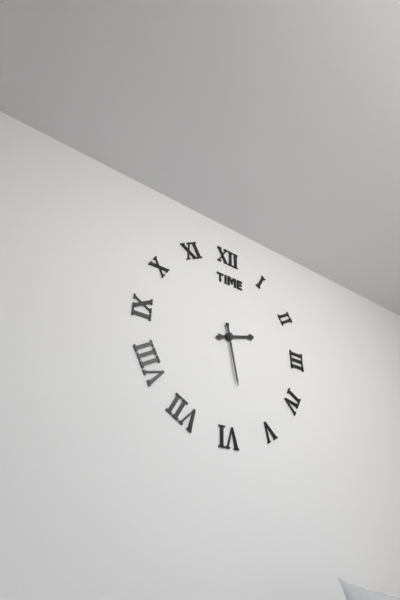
2:28
